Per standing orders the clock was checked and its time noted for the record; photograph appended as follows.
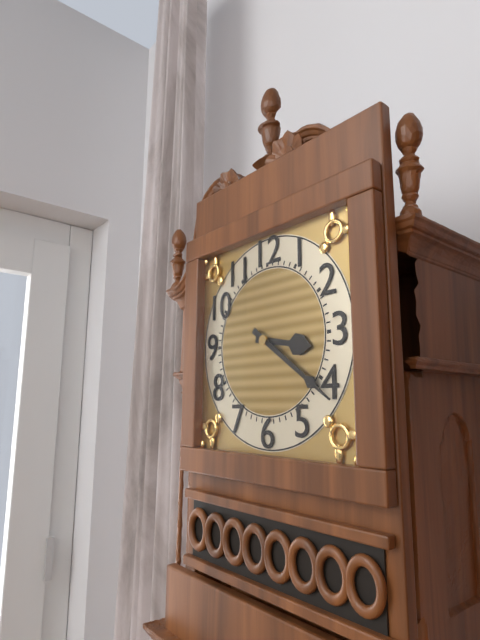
3:21
